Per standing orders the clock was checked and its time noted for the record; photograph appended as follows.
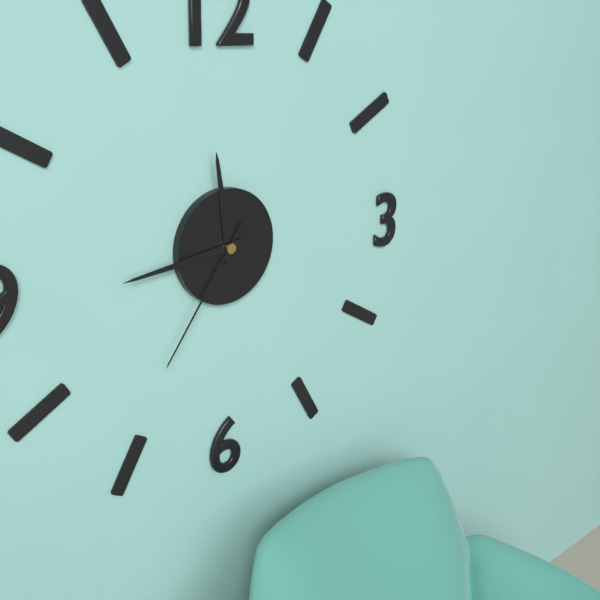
11:44:36
